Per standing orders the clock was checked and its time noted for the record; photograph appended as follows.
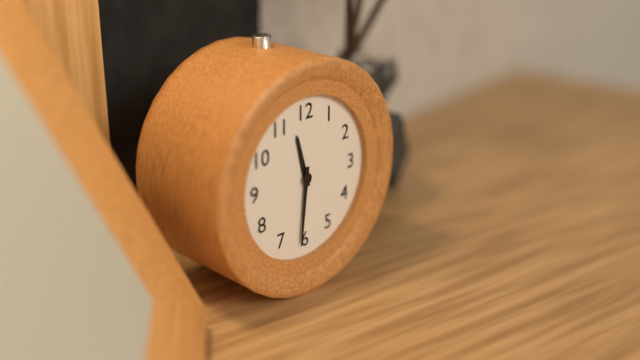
11:31
